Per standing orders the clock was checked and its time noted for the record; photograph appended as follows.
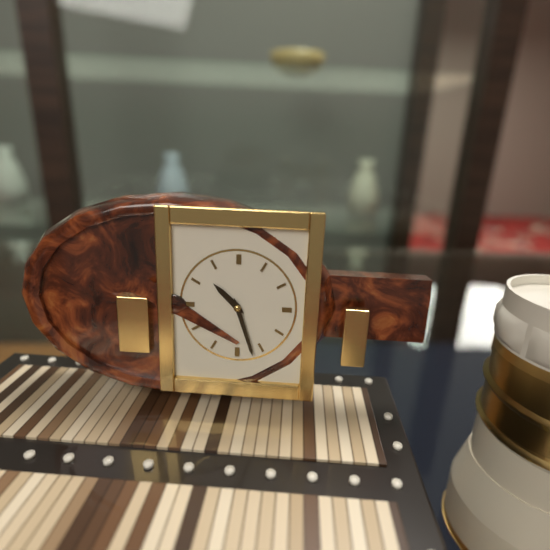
10:27
